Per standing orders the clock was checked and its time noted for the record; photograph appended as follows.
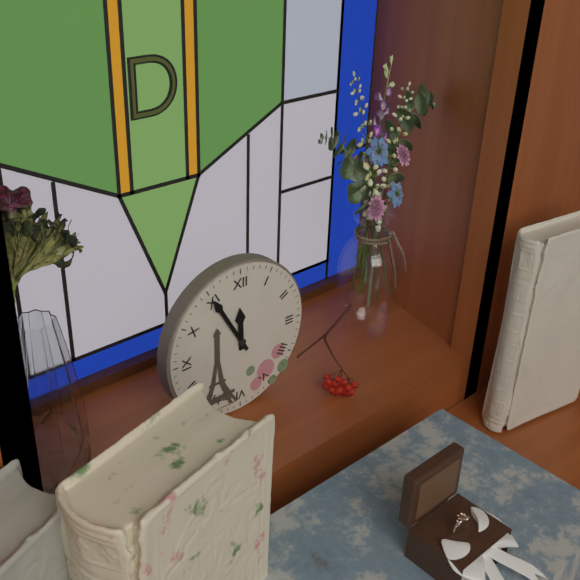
11:55
